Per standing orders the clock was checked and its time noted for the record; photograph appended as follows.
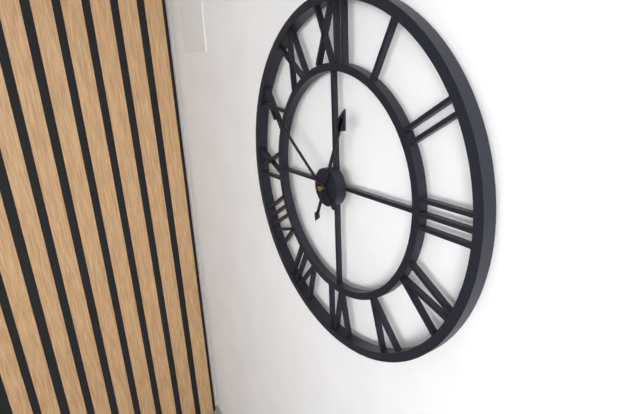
12:51
